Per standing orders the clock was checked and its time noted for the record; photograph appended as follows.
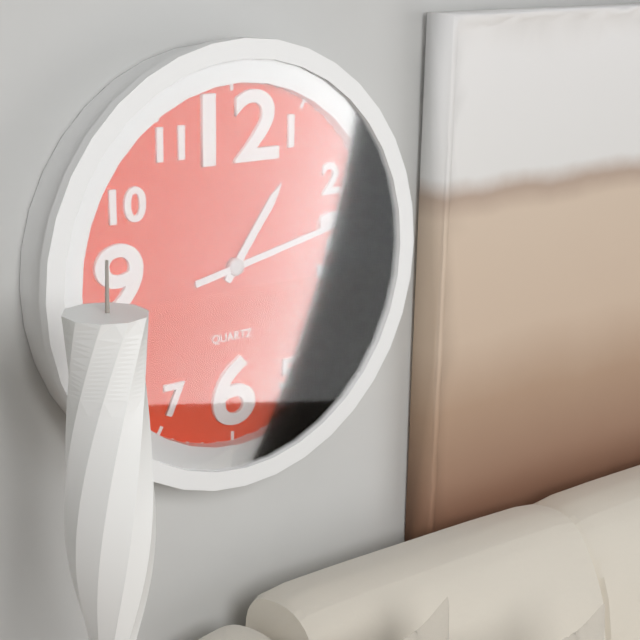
1:13
